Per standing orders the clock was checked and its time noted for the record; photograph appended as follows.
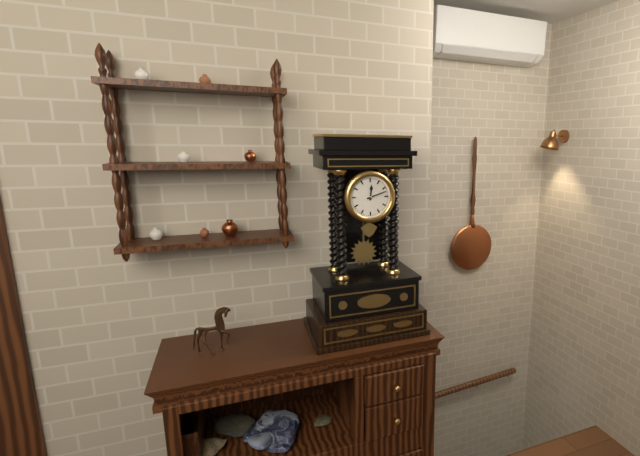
12:12
